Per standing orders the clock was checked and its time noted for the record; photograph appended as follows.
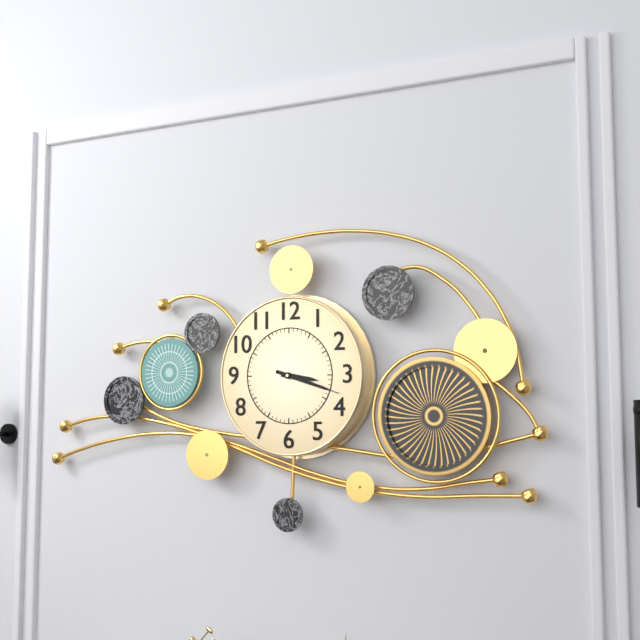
3:18:18
